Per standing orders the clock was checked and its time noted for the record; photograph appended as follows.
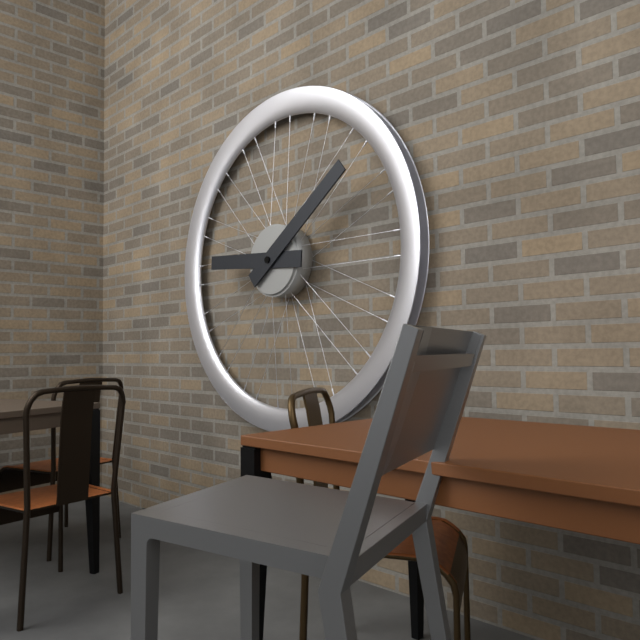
9:09
